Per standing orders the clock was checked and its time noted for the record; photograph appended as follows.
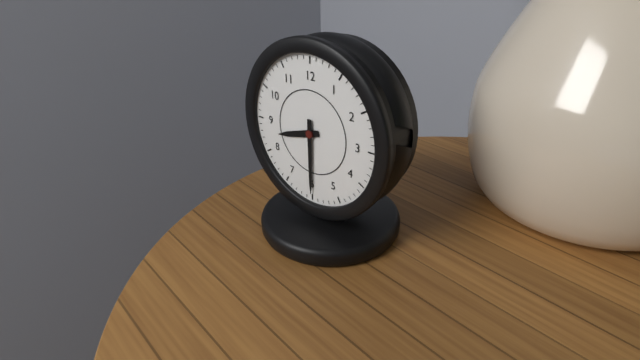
8:30
